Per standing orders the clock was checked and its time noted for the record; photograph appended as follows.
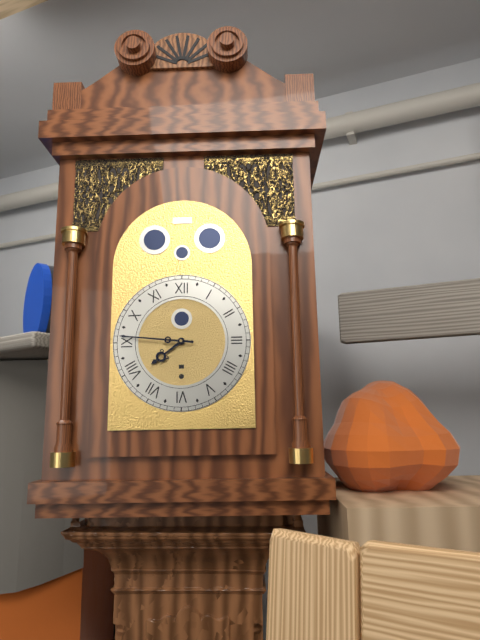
7:46
